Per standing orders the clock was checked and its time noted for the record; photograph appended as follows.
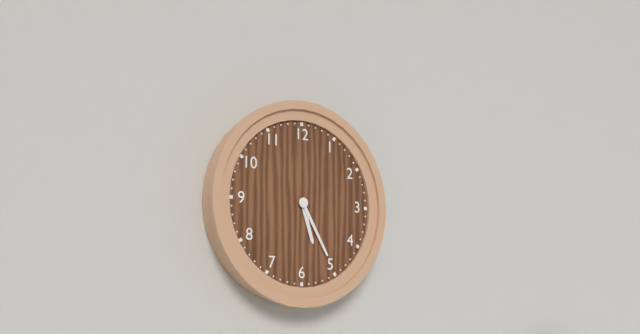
5:25
